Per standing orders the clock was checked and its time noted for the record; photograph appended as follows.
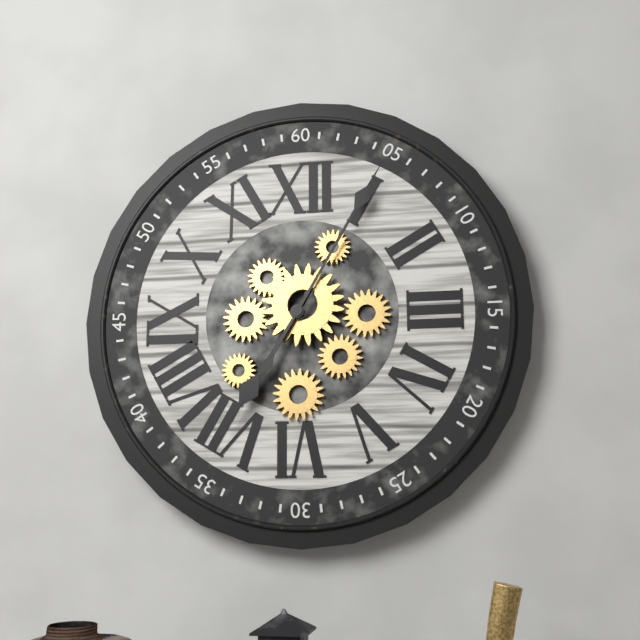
7:05
